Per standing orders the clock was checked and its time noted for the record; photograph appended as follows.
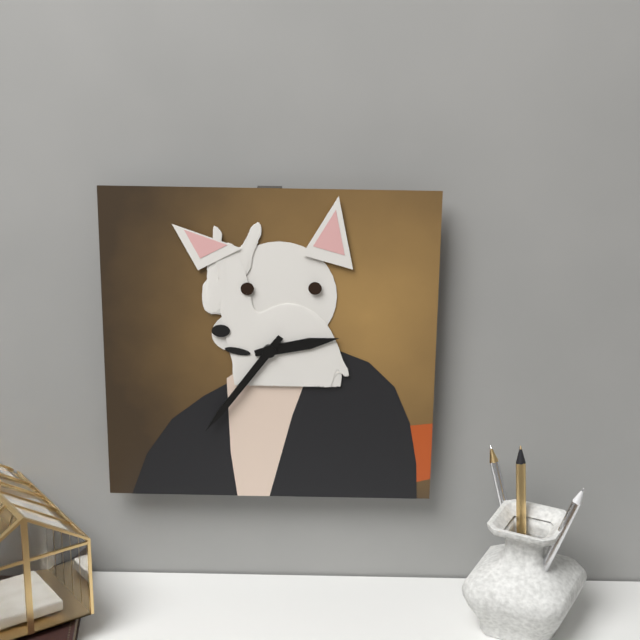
2:36
